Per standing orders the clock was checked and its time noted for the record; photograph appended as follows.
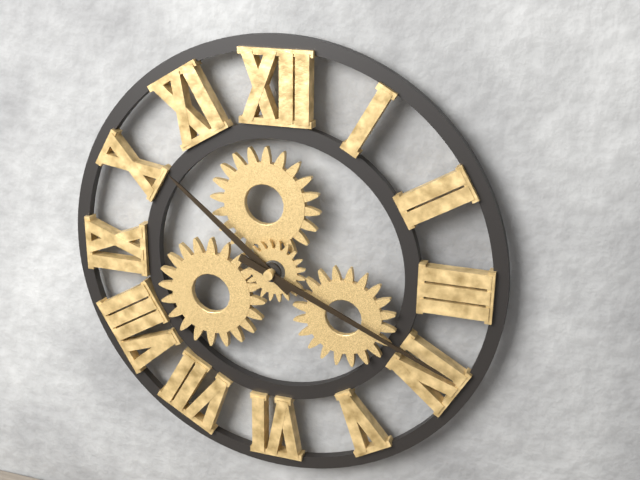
10:19
